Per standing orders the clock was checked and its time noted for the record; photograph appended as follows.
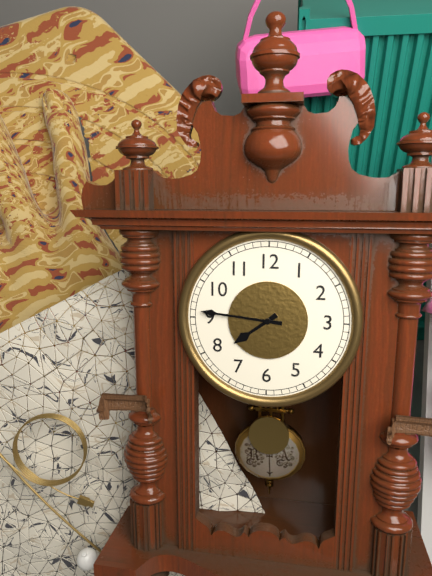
7:46
